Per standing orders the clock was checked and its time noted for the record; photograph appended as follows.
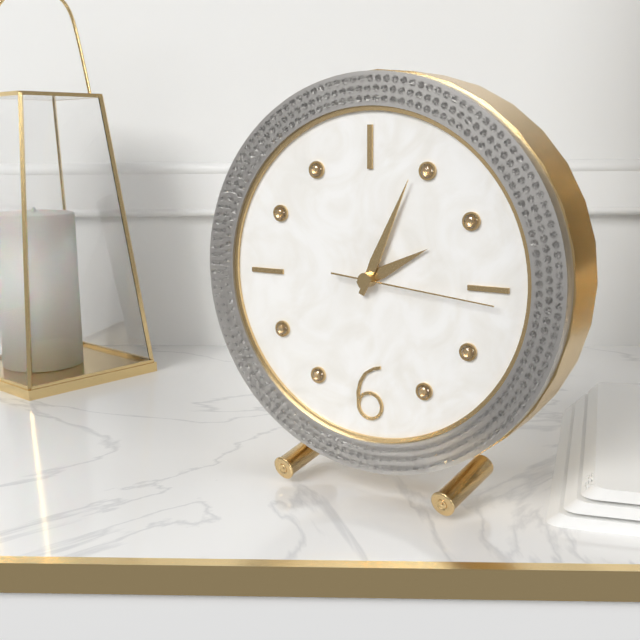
2:04:16
